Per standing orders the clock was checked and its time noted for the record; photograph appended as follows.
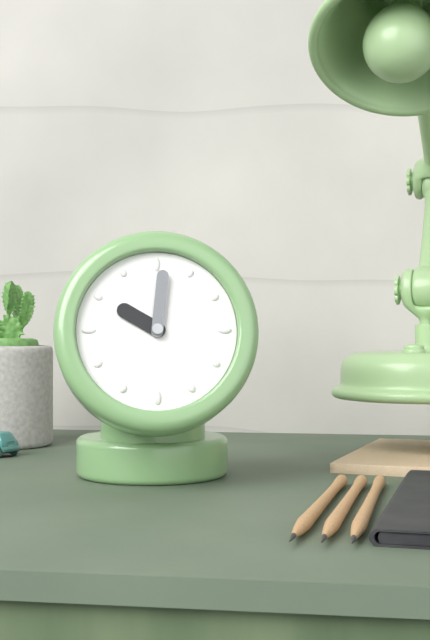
10:01
